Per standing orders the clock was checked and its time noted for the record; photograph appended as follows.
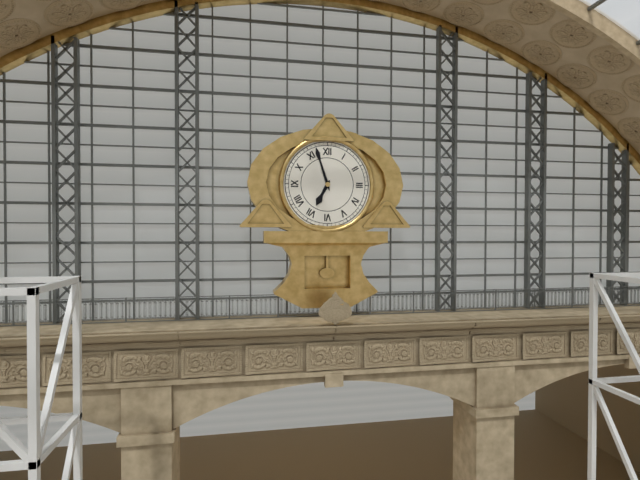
6:57
